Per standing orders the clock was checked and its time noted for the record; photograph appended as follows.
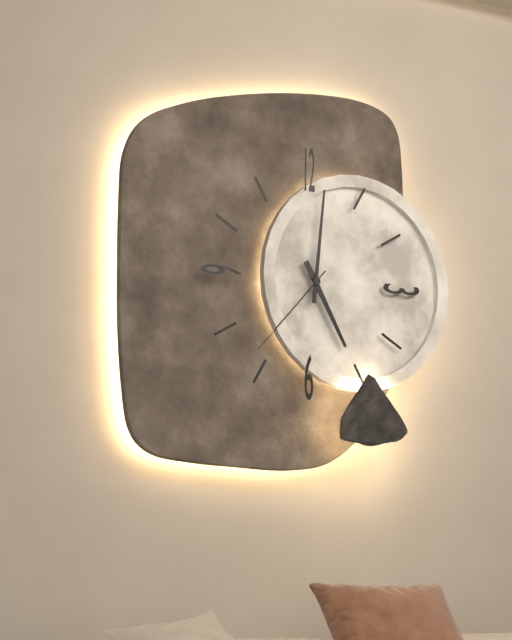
5:01:37
